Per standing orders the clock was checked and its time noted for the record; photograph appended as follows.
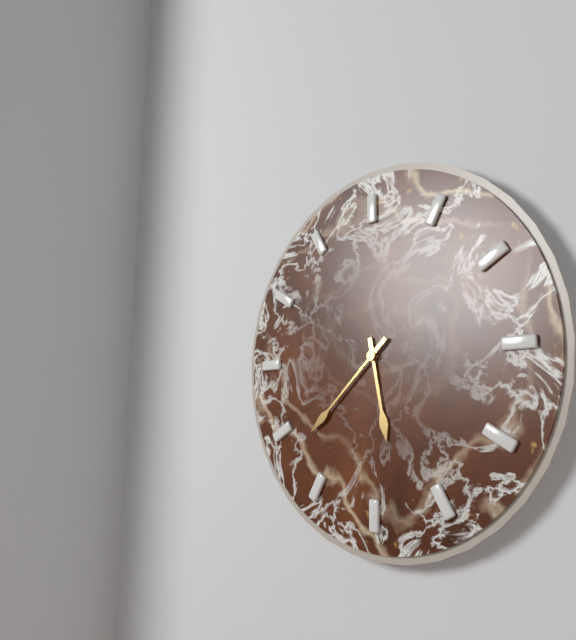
5:38
